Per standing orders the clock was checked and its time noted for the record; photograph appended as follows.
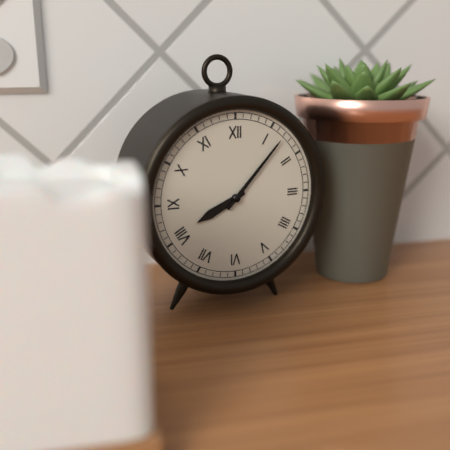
8:07
